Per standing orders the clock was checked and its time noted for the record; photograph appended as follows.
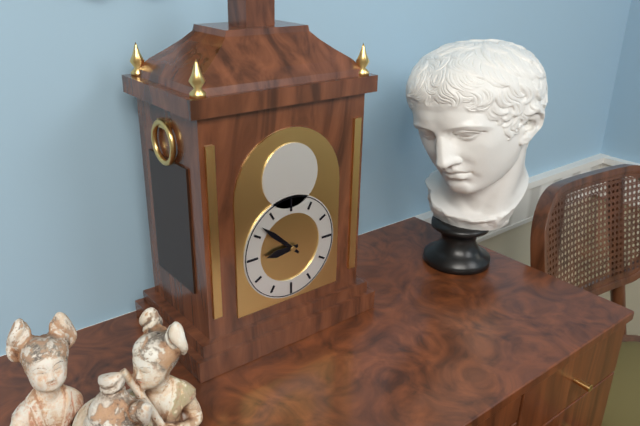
8:52
